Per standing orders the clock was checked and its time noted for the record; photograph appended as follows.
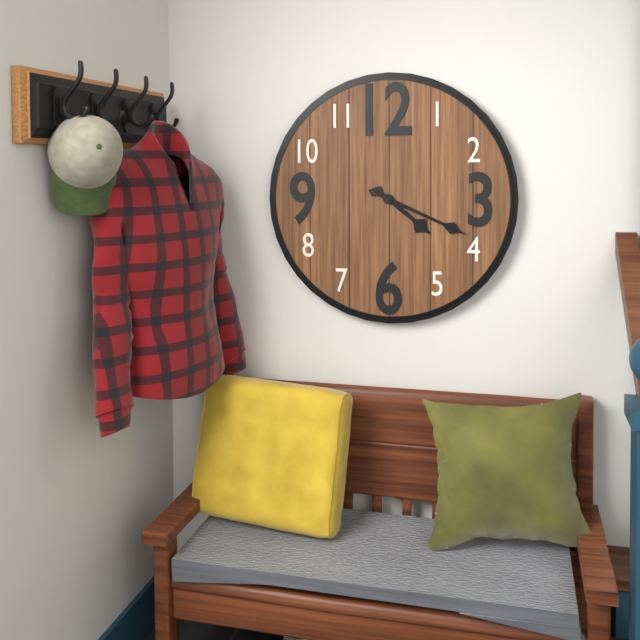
4:19
